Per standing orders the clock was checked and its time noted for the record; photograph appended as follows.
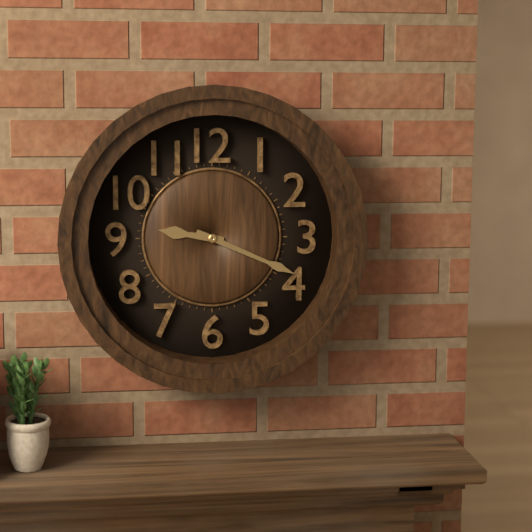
9:19
